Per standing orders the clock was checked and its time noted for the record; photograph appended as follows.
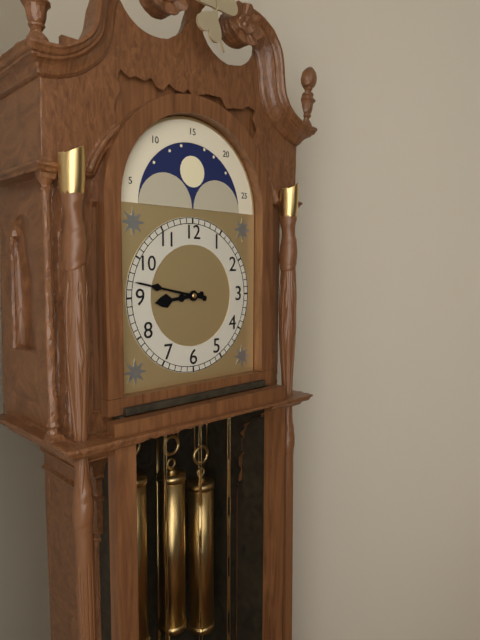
8:47
